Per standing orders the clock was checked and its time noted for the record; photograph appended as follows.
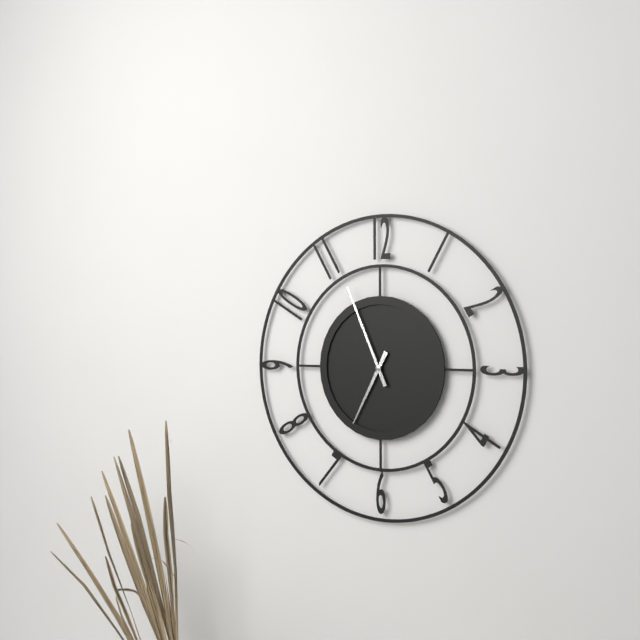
6:56
